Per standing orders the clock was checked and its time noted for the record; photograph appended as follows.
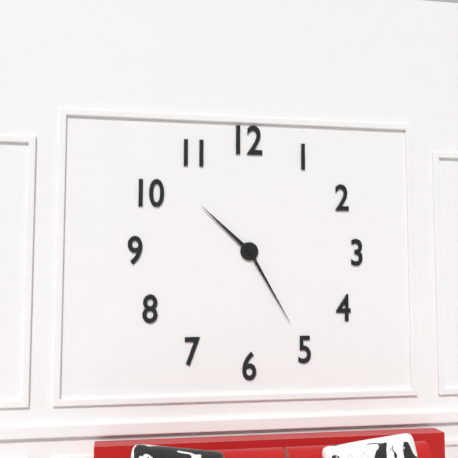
10:25
